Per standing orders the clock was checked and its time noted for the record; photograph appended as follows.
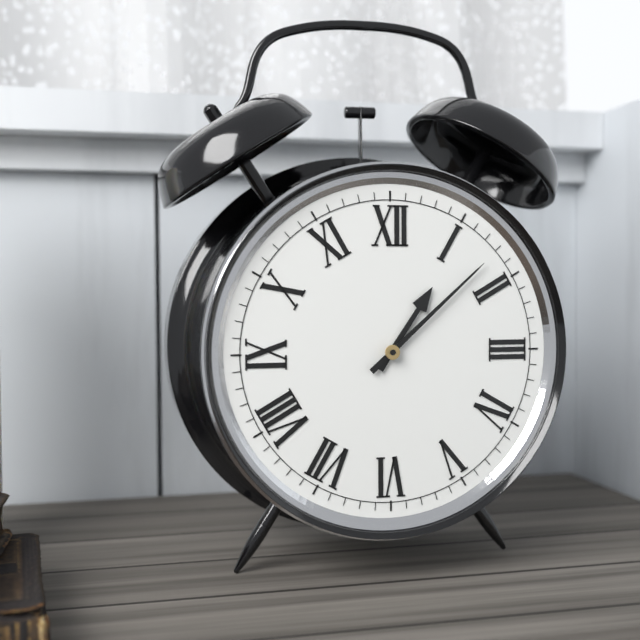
1:08
